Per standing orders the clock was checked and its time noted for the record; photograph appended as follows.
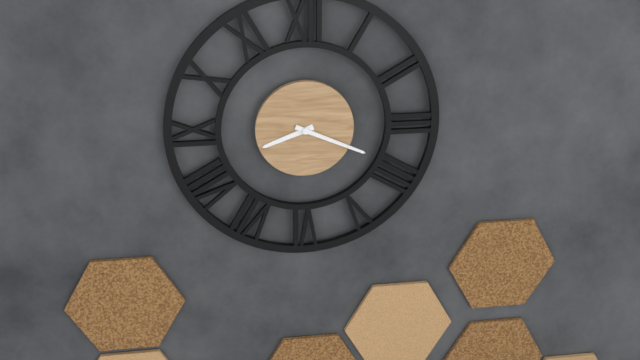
8:19
